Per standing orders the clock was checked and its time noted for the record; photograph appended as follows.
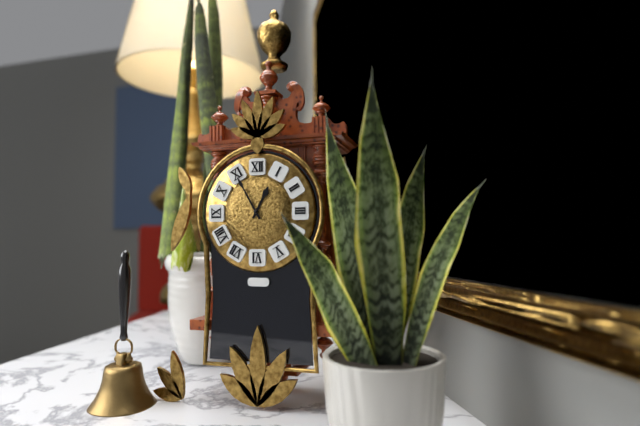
12:55
